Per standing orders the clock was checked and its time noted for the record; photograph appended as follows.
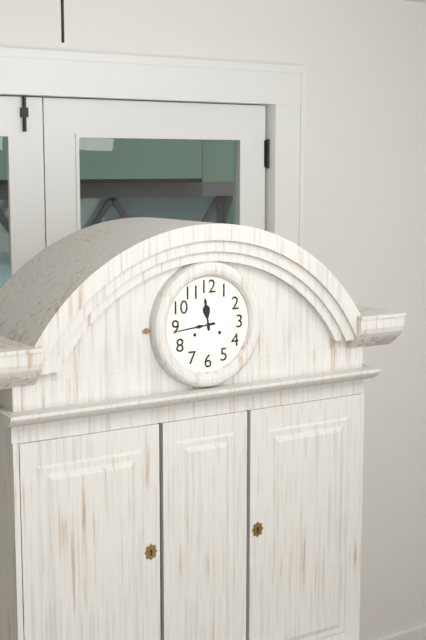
11:44
